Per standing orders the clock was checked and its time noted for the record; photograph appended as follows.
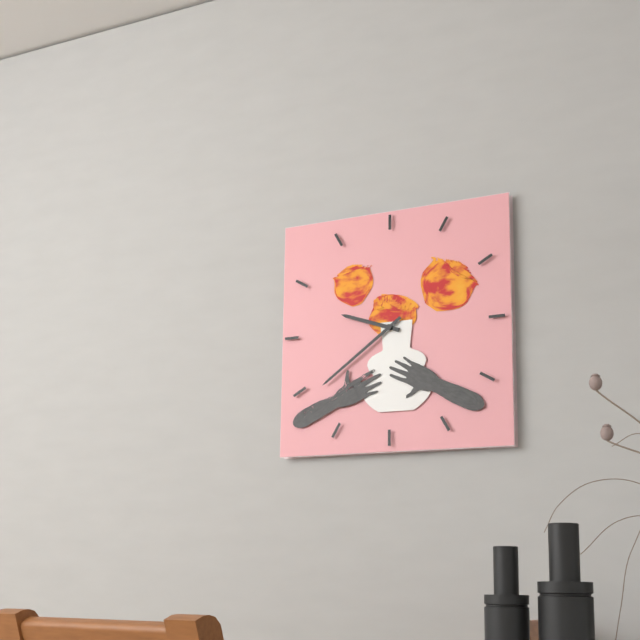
9:39
